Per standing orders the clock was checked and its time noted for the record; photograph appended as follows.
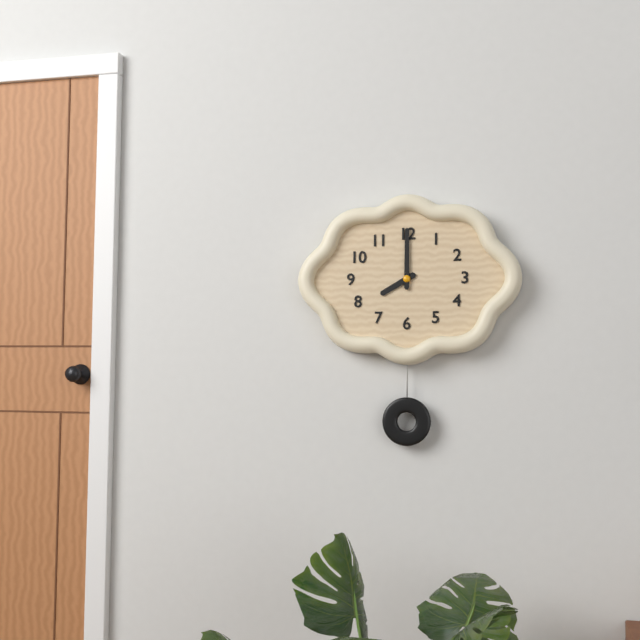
8:00
